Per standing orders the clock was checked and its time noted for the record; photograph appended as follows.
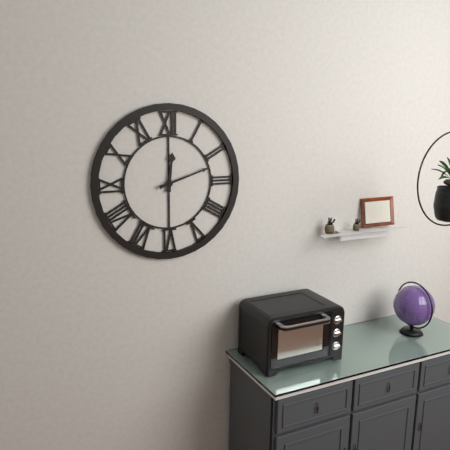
12:12
